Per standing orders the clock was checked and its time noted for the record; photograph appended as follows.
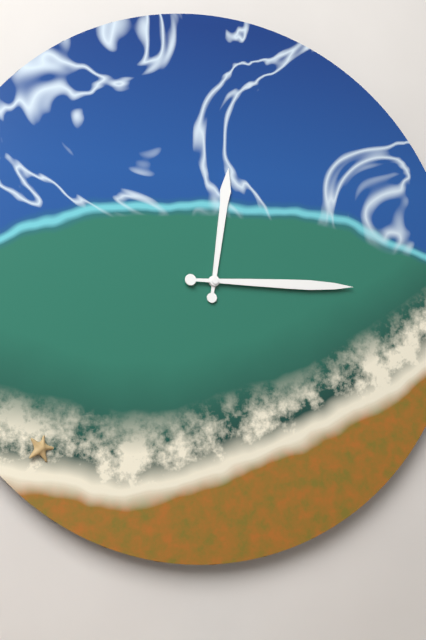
12:15
